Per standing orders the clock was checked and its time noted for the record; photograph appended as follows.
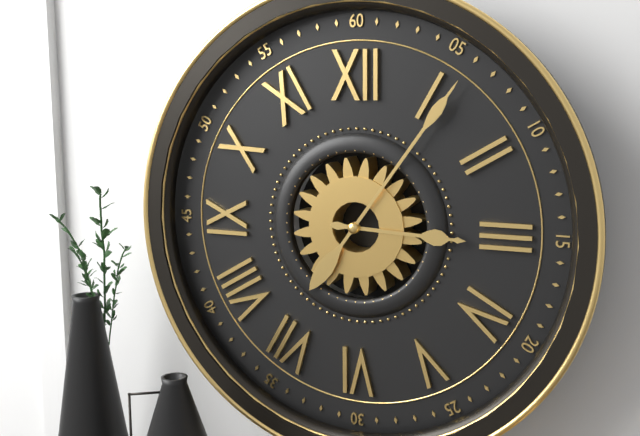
3:06
